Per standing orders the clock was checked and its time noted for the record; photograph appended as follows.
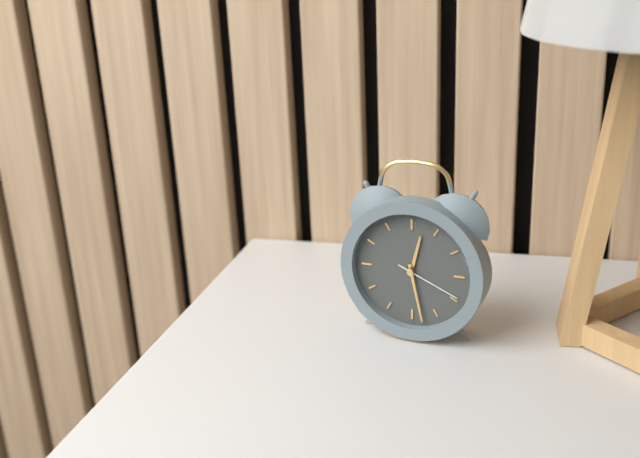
12:28:19
